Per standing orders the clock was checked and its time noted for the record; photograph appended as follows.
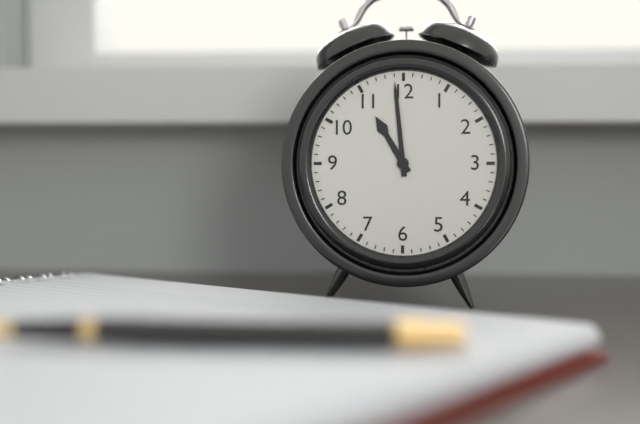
10:59
